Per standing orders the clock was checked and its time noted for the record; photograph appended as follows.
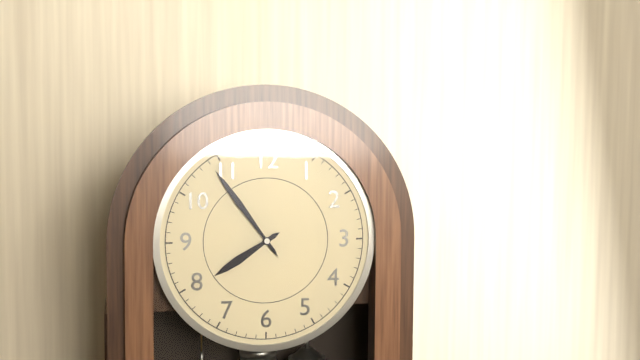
7:54
